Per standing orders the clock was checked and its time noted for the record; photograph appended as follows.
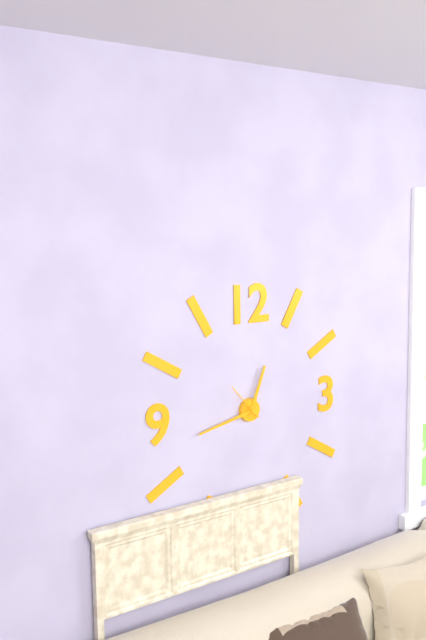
12:43
